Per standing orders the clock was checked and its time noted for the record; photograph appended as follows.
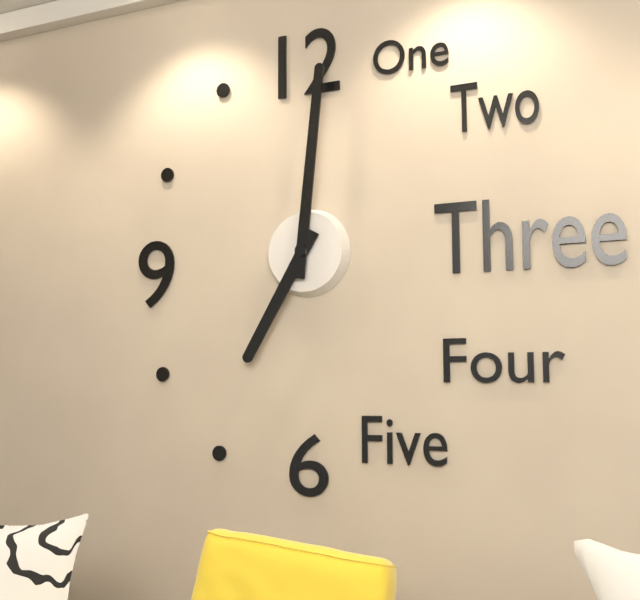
7:01
